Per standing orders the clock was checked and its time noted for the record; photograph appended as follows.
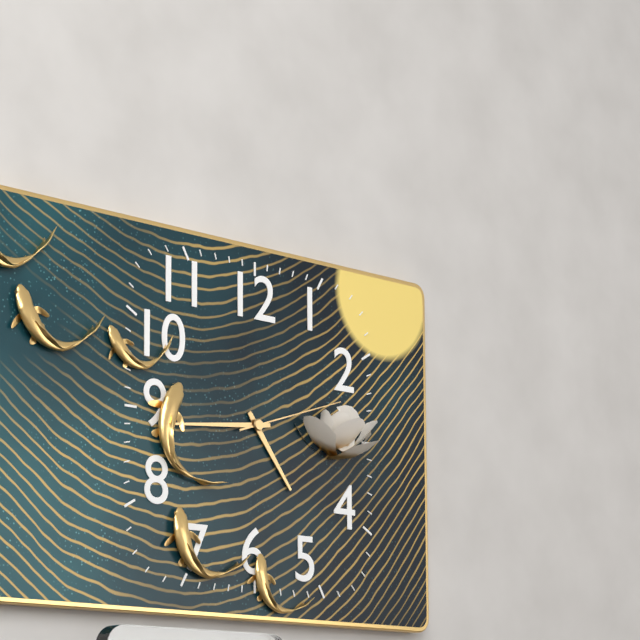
4:44:12
